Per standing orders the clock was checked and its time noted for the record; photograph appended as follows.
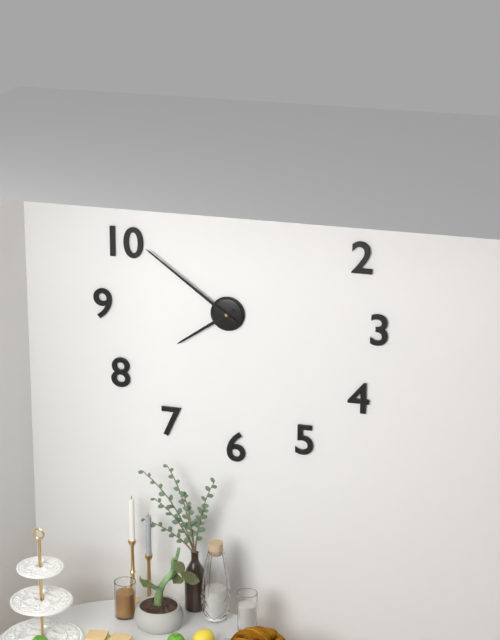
7:51
